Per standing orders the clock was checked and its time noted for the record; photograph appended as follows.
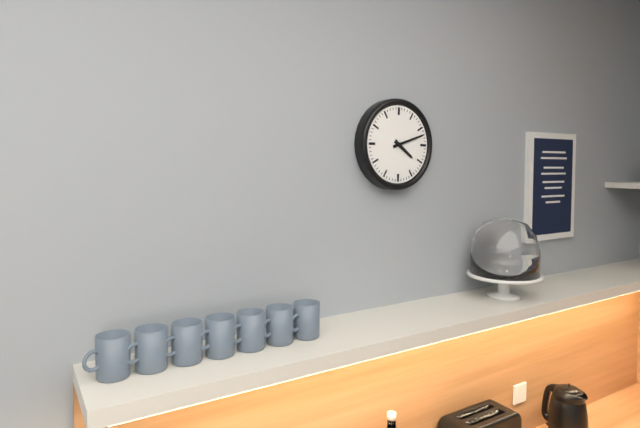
4:12
